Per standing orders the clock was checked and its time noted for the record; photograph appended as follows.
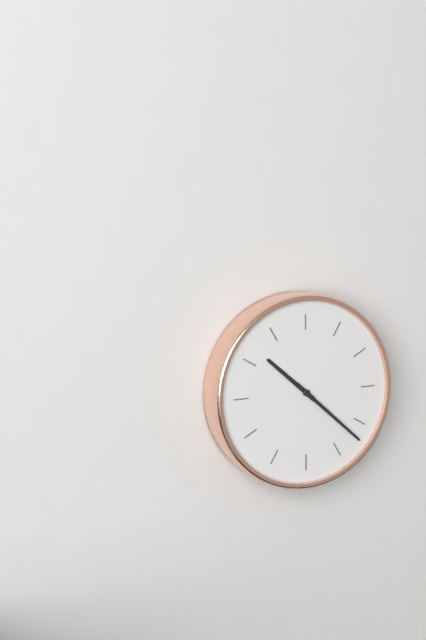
10:22
